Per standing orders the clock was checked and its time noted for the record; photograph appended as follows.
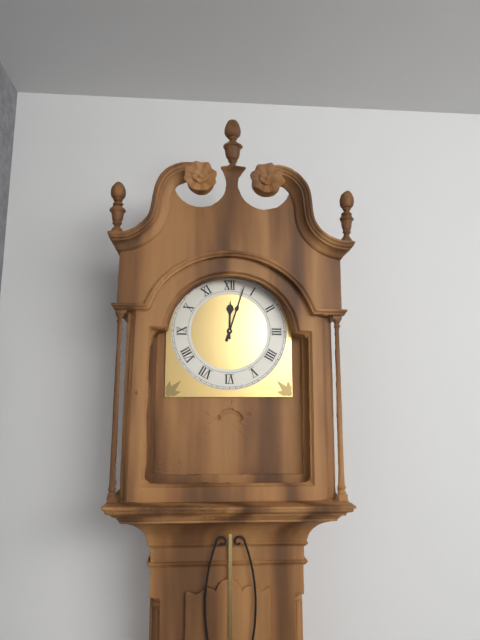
12:03
